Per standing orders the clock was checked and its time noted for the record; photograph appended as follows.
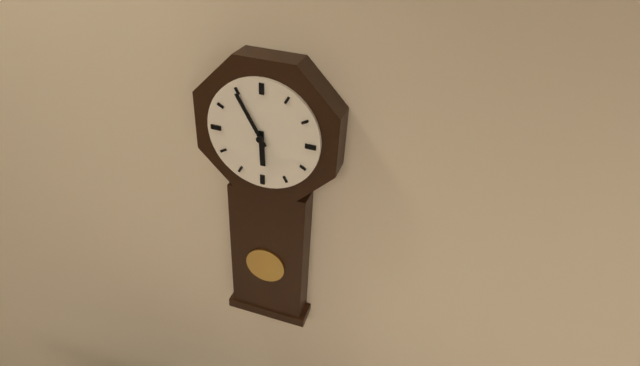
5:55
